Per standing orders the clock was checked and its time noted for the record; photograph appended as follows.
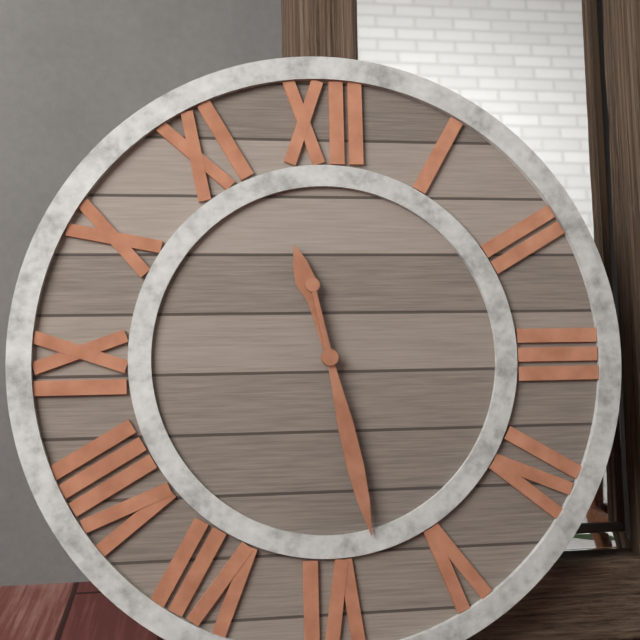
11:28
